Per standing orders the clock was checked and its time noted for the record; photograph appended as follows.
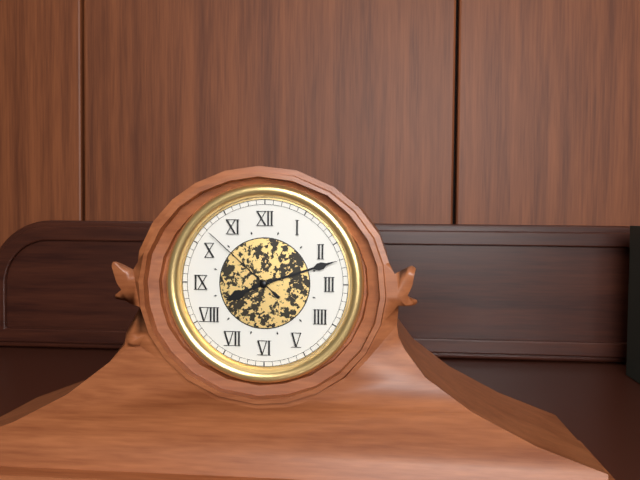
8:12:52
